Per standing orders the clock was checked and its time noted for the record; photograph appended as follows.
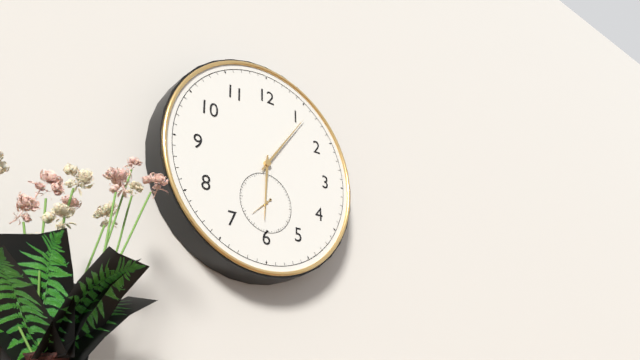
6:06
